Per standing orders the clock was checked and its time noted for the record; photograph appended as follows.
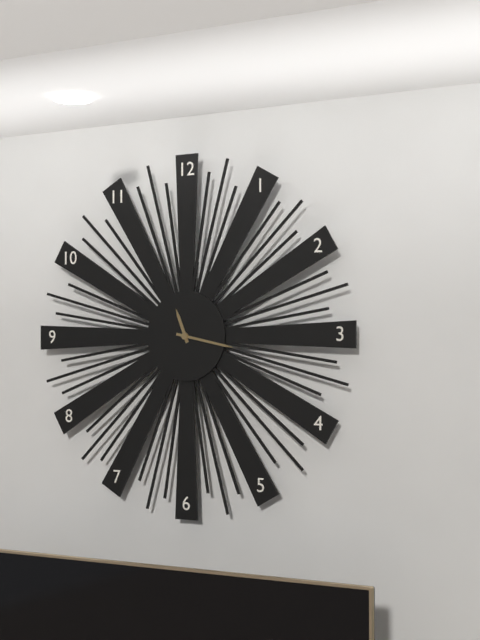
11:17
